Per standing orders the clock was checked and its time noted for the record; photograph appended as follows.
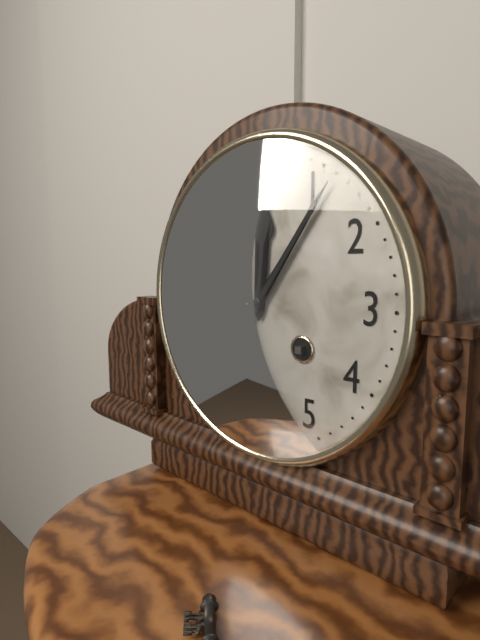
12:06
